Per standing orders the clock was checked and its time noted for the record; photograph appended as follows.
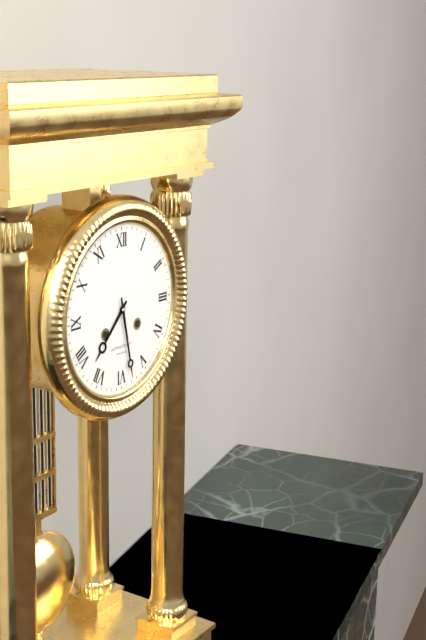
7:28
